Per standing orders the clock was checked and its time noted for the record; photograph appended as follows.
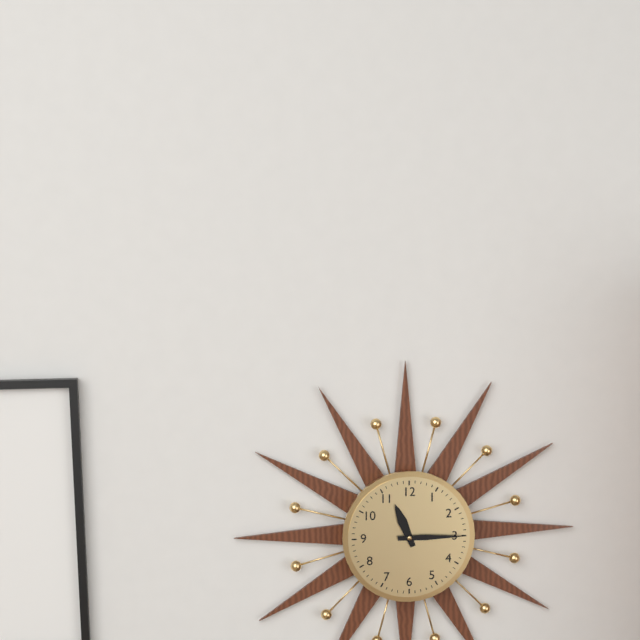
11:15
